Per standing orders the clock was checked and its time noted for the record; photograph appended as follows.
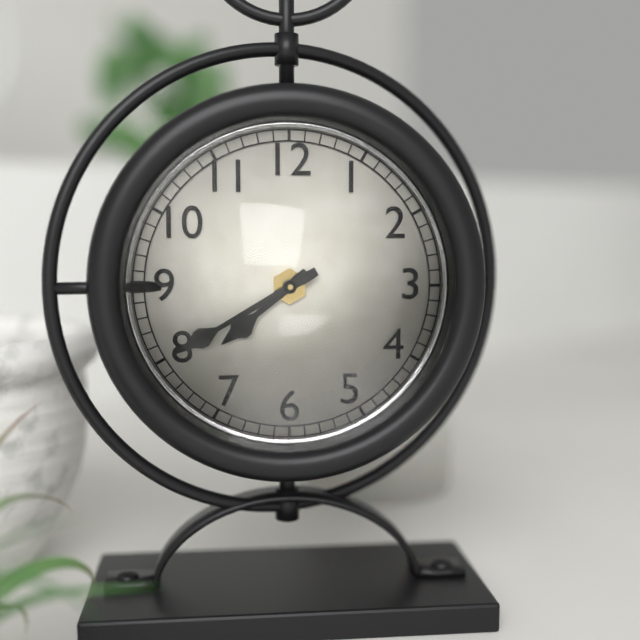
7:40
